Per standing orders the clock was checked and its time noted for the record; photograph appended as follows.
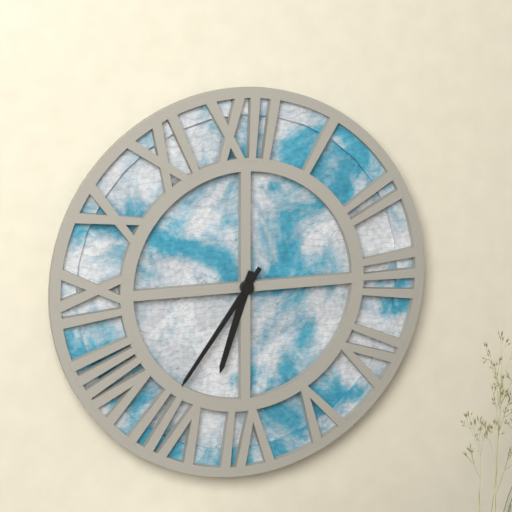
6:36
